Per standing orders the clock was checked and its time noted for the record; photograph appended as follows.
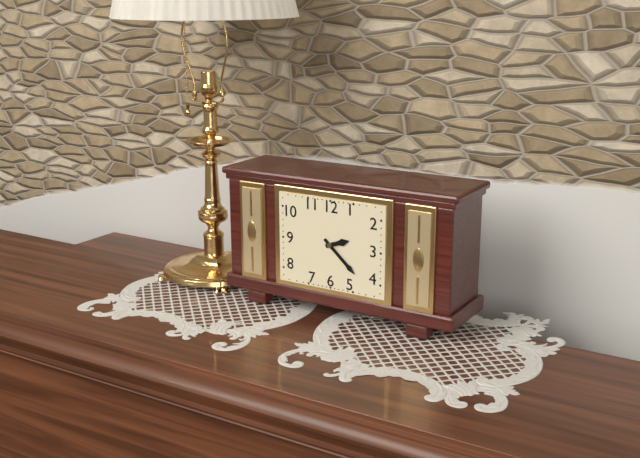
2:22
